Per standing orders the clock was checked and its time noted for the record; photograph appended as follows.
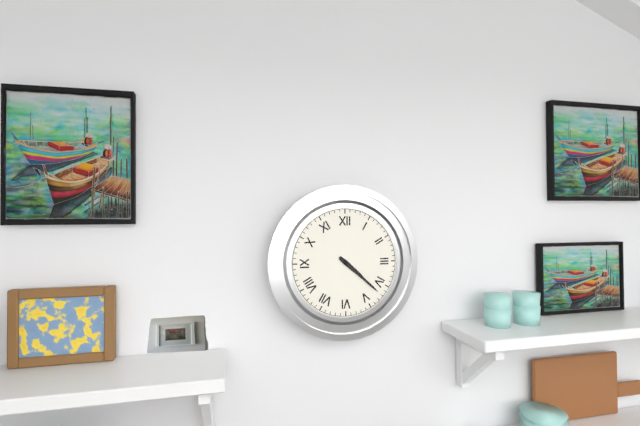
4:22
